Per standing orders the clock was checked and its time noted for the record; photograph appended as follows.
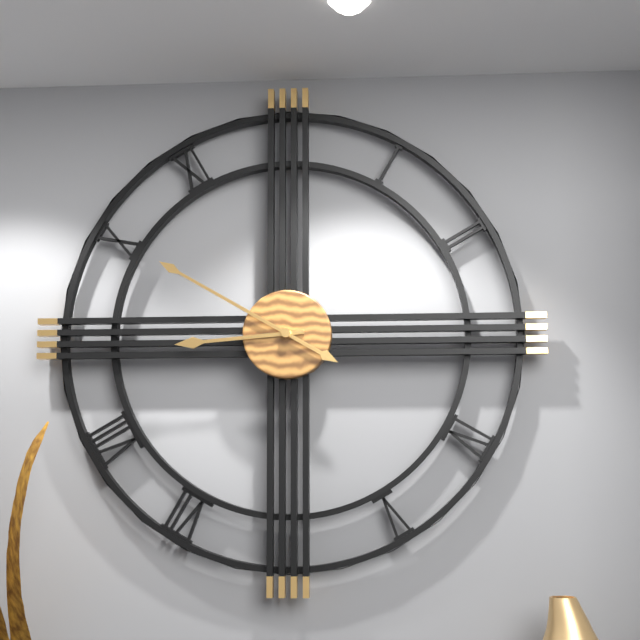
8:50
